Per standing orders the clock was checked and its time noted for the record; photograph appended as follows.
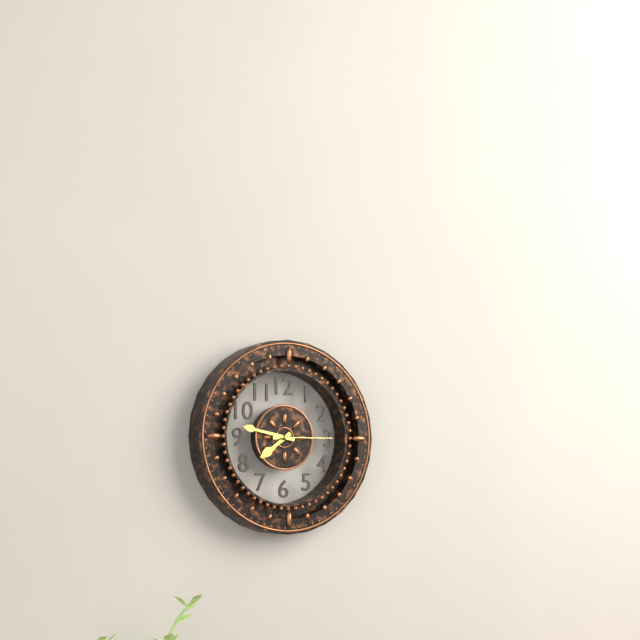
7:47:15
